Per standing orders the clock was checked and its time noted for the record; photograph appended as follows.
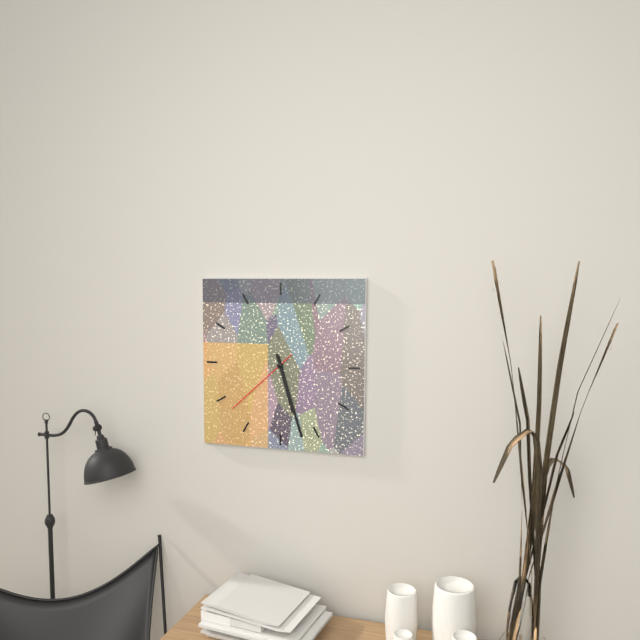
5:27:38
